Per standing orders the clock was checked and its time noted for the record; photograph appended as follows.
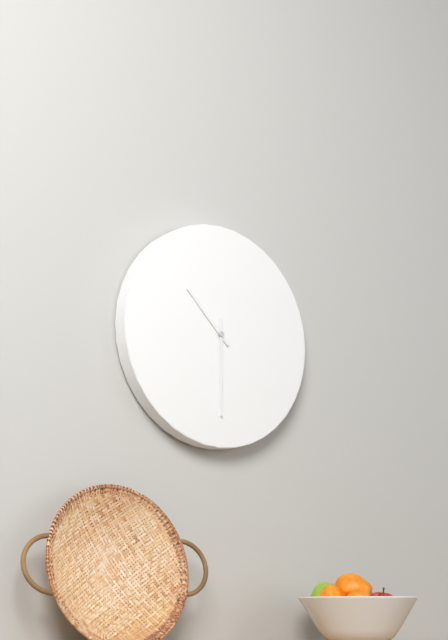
10:30
